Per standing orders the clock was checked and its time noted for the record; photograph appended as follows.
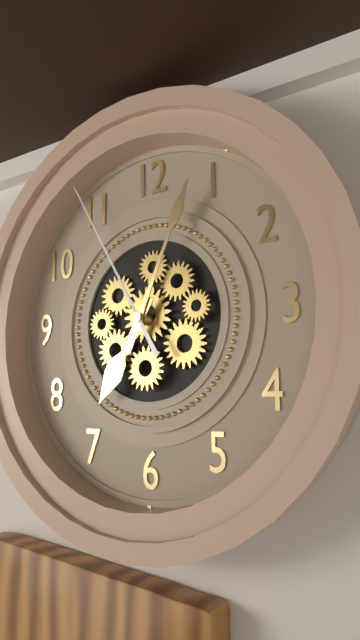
7:04:55
